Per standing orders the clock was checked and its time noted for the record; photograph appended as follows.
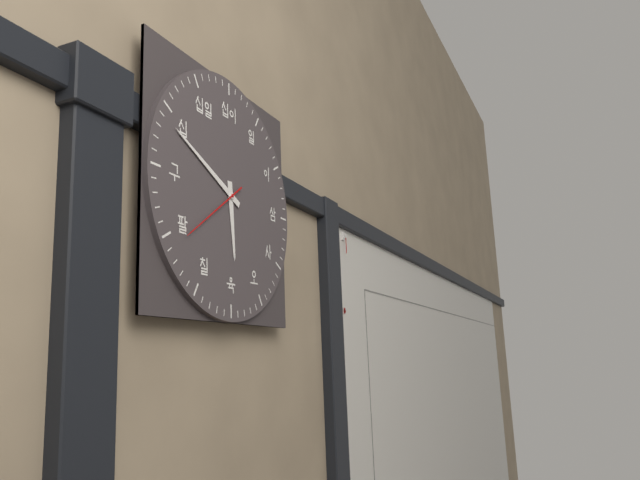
5:49:39
